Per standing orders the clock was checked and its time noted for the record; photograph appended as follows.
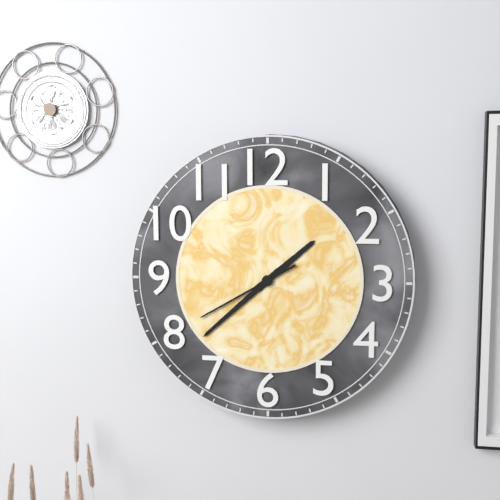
1:38:40
